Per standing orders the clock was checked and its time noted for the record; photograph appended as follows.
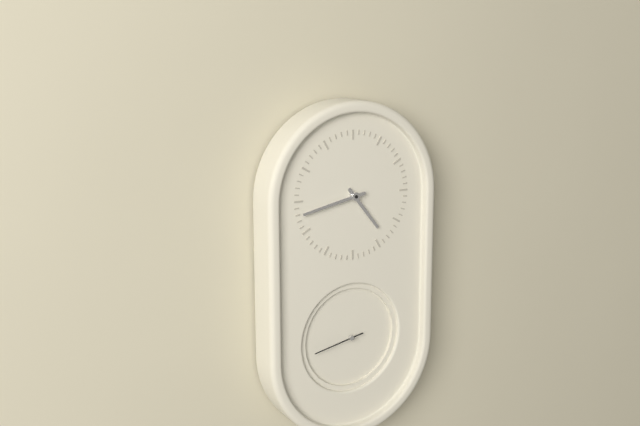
4:43
